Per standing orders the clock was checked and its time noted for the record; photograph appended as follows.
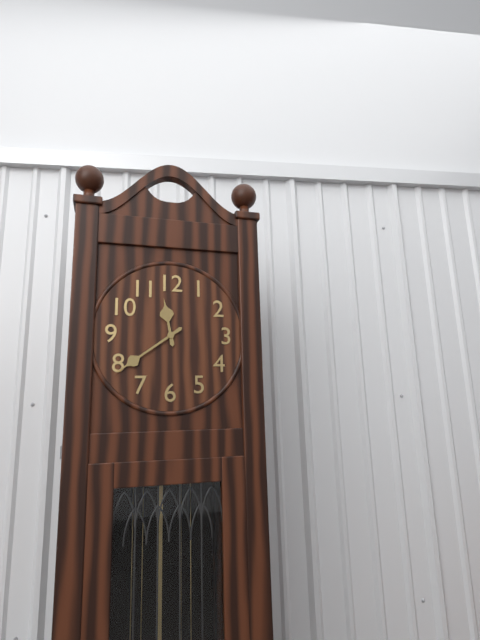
11:39
